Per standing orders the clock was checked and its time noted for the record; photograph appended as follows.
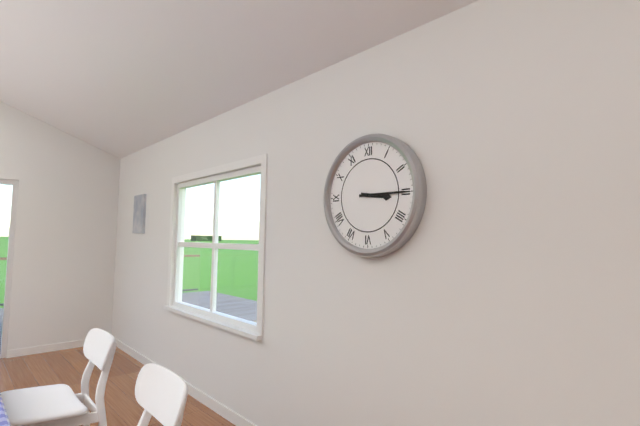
3:15
